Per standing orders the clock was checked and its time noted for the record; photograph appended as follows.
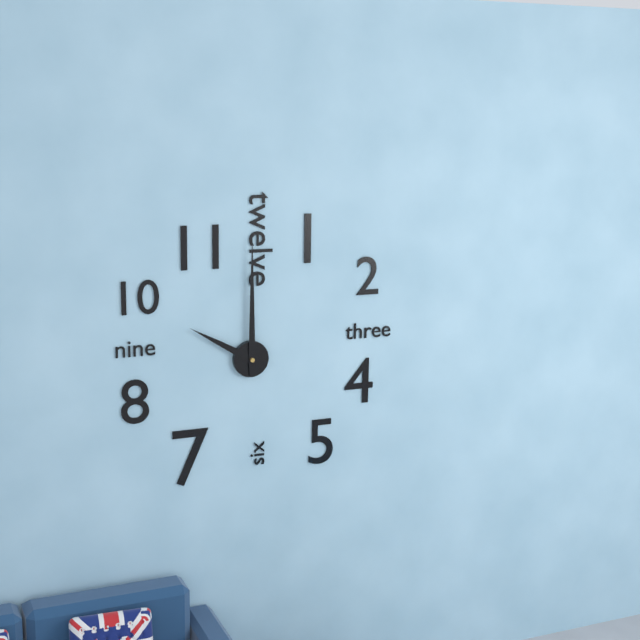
10:00
